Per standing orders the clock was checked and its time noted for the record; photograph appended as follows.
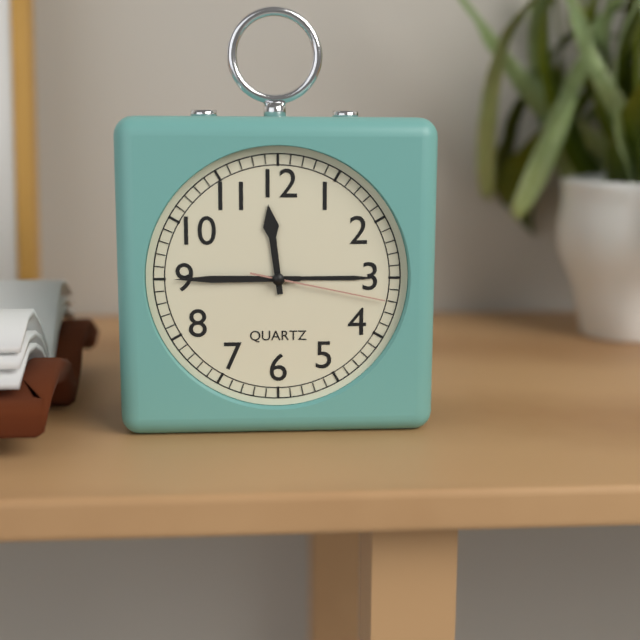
11:45:17
